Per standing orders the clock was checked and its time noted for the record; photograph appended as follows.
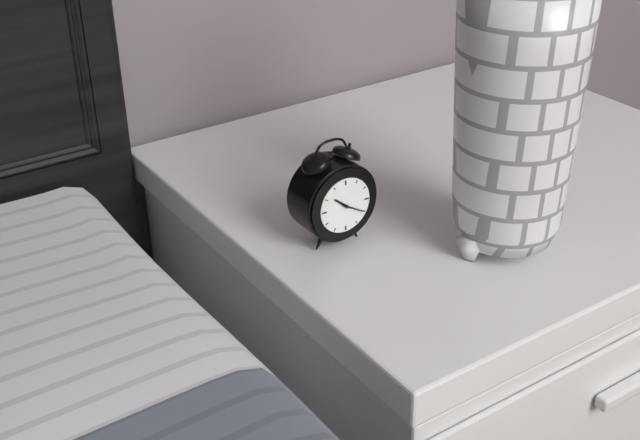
10:20
